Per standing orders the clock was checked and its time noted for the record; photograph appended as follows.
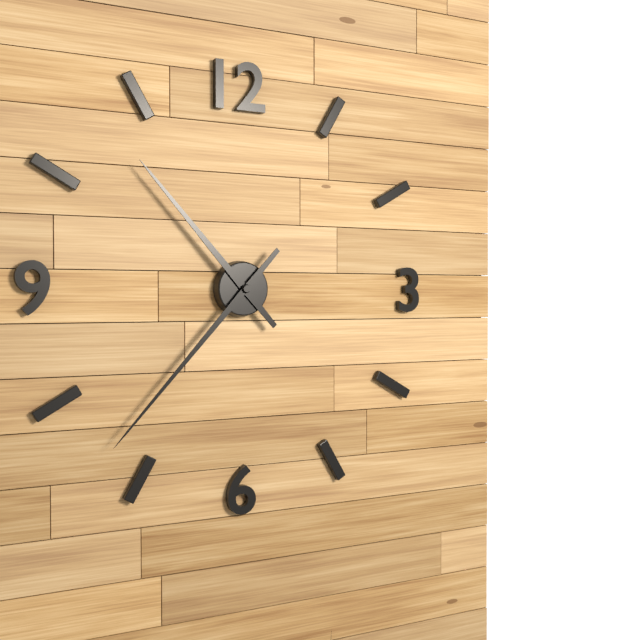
10:37
